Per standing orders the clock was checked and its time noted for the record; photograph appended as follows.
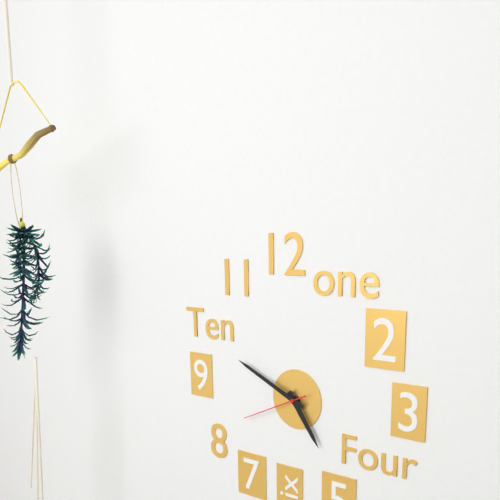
4:49:41
